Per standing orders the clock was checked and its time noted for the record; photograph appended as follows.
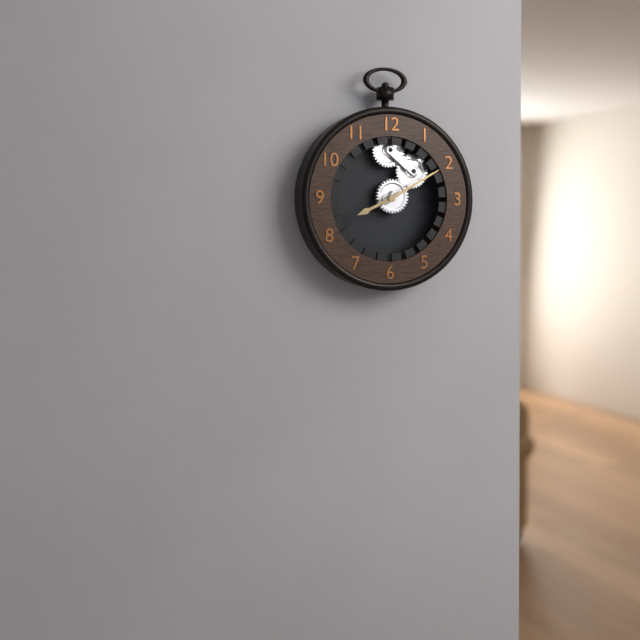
8:10
